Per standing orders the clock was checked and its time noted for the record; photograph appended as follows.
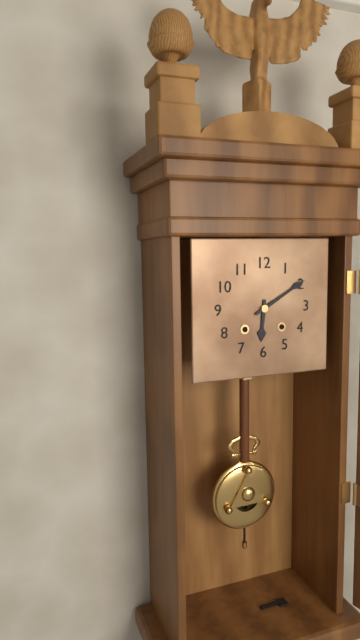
6:10
